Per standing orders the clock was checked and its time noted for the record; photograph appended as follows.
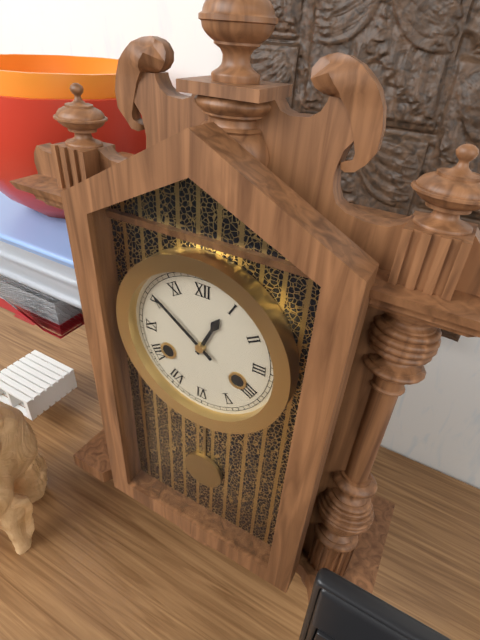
12:51
